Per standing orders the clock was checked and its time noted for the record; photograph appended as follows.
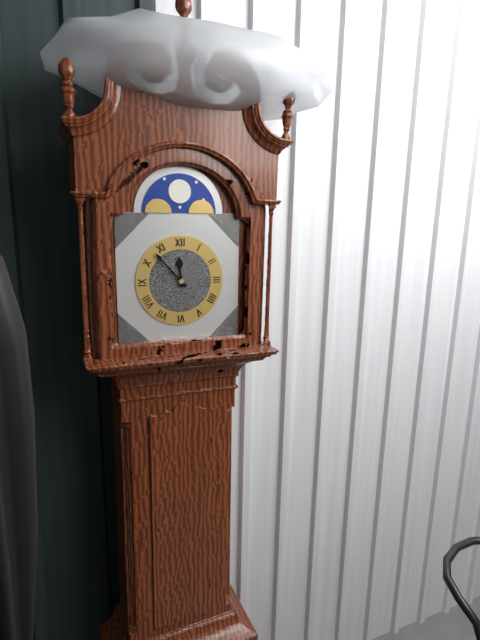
11:53
